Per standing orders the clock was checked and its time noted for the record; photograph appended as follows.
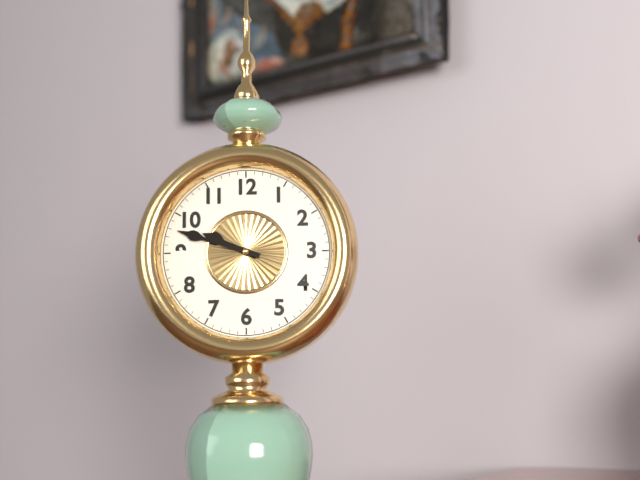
9:48
